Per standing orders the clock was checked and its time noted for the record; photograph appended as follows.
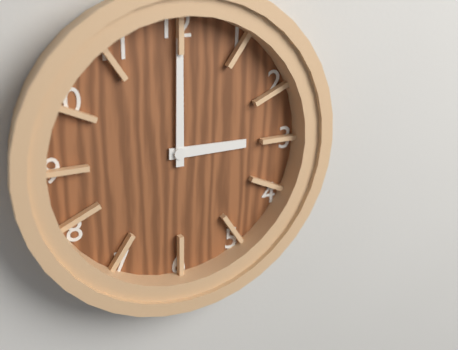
3:00
